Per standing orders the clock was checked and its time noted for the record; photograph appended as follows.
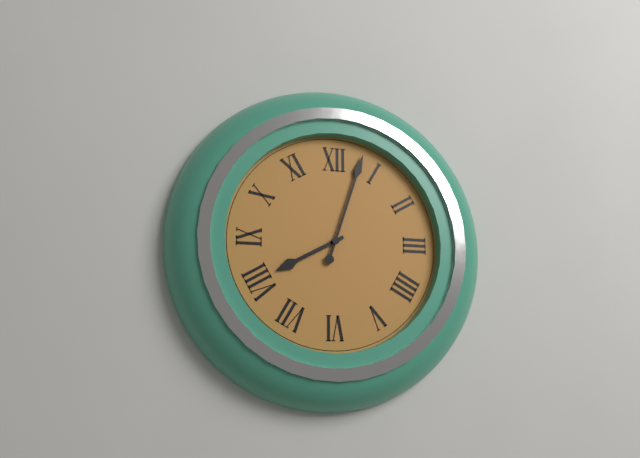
8:03
